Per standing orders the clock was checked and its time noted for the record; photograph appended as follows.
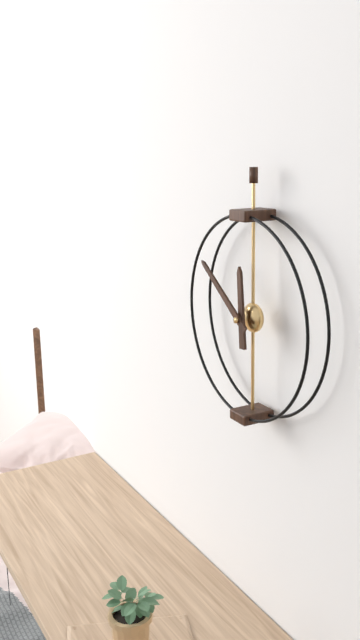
11:51
